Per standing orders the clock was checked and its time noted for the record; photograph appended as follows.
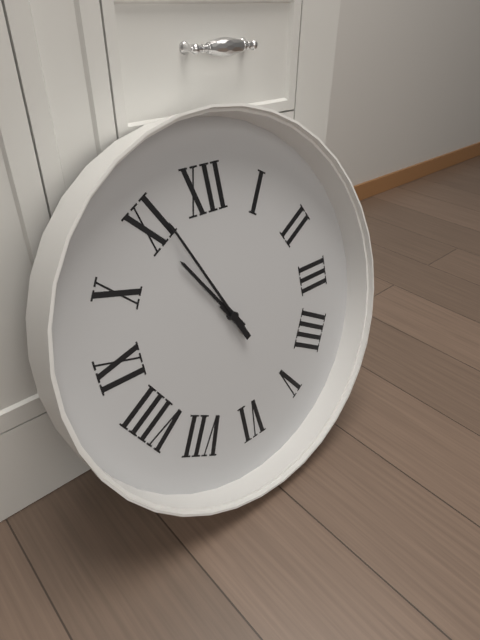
10:56
